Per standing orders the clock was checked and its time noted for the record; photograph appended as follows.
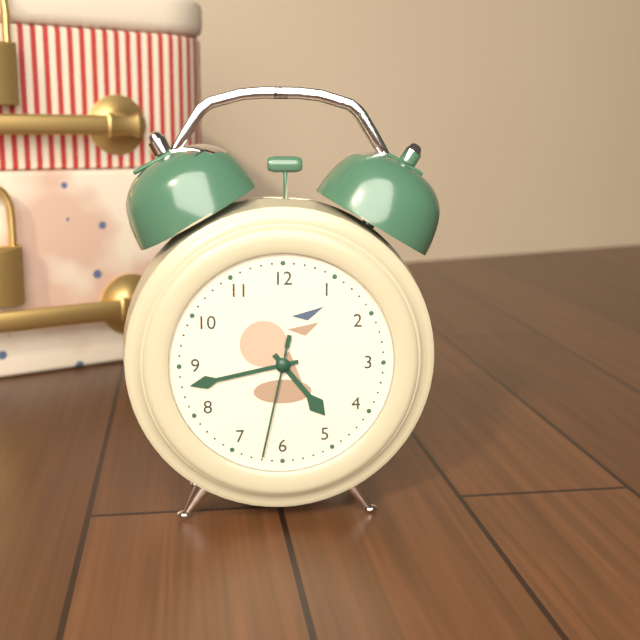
4:43:32
